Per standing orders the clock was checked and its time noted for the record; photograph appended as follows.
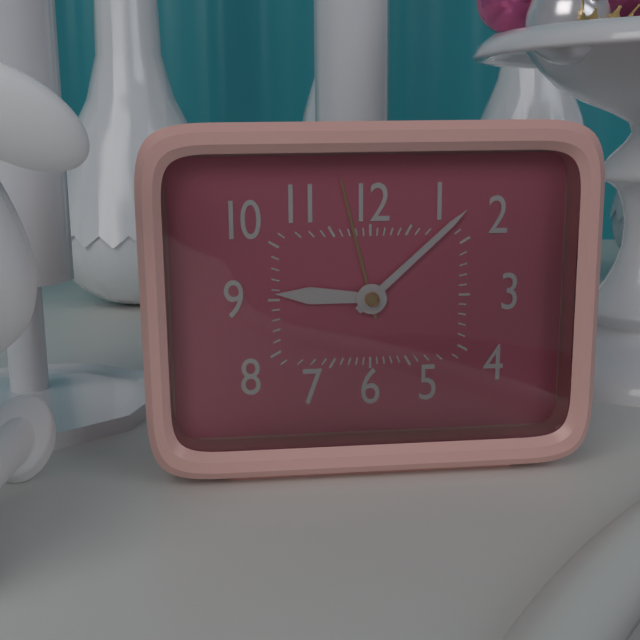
9:08
